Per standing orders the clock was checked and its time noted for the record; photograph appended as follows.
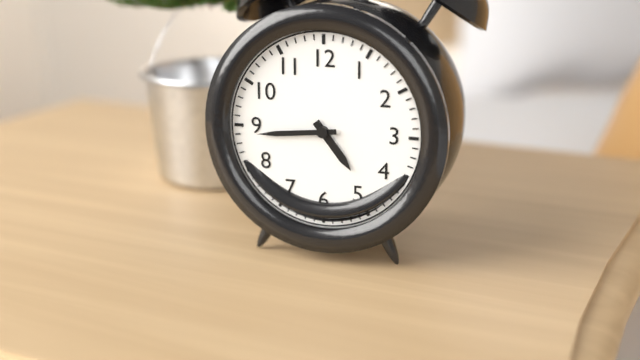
4:44
